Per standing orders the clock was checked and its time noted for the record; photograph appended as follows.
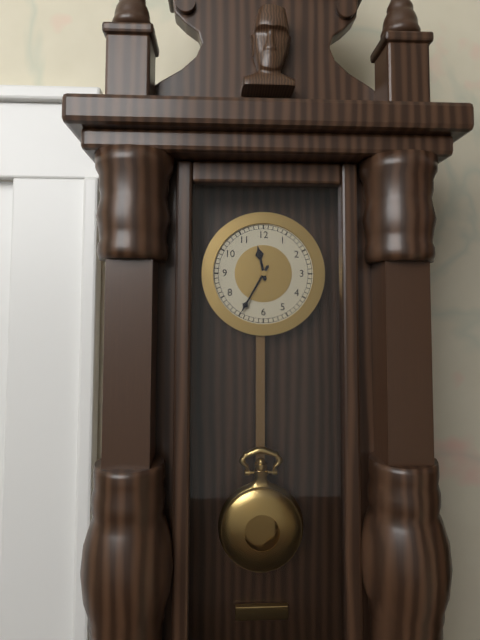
11:35
